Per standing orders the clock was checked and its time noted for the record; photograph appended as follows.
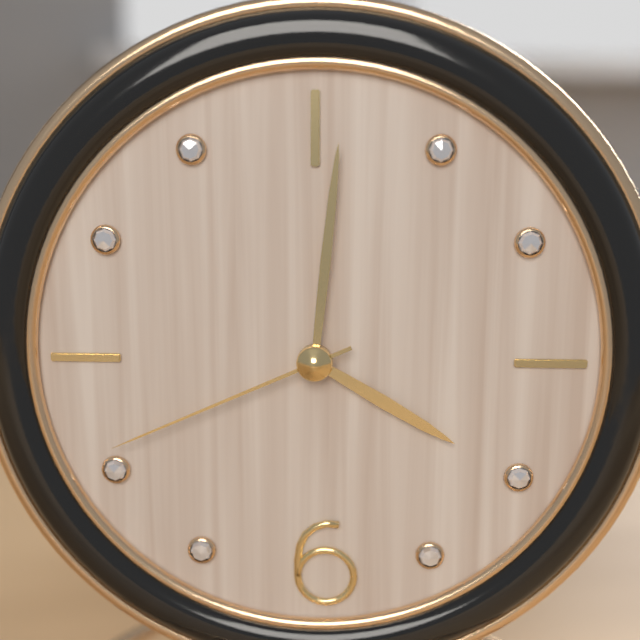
4:01:41
